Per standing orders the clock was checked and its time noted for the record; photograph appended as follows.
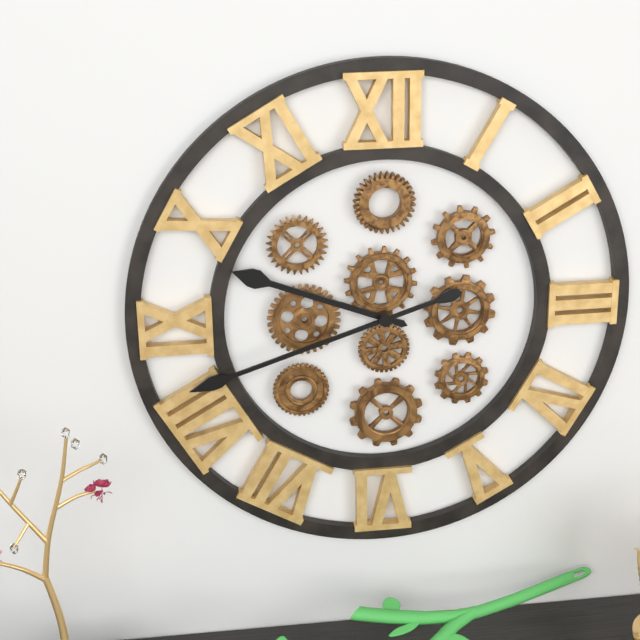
9:42
